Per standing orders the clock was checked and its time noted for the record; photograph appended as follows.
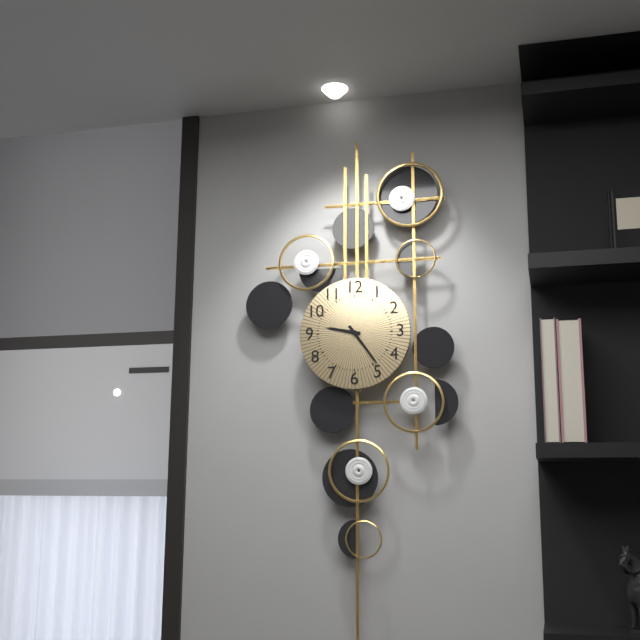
9:24
